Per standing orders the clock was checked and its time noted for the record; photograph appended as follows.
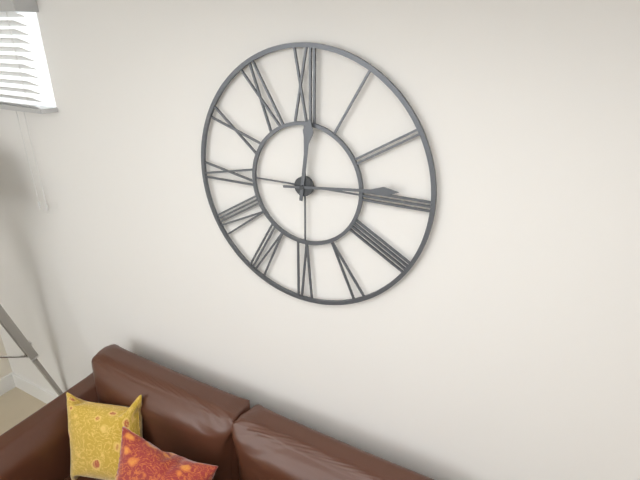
12:14
